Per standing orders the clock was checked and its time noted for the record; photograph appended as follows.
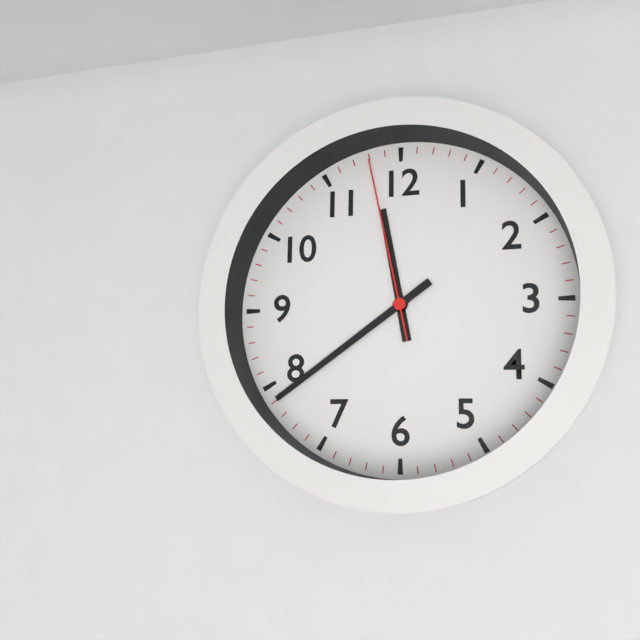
11:39:58
